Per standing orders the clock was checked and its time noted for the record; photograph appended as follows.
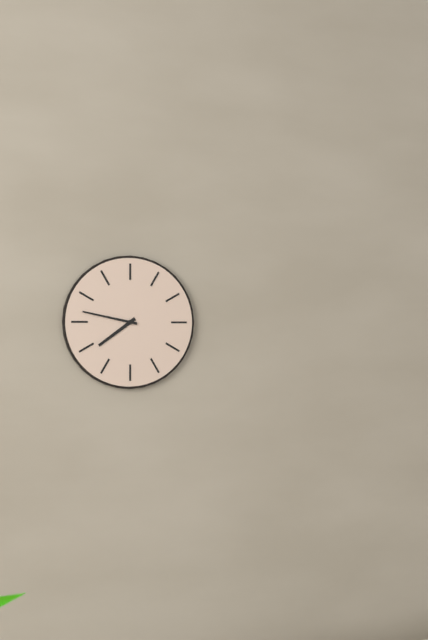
7:47
